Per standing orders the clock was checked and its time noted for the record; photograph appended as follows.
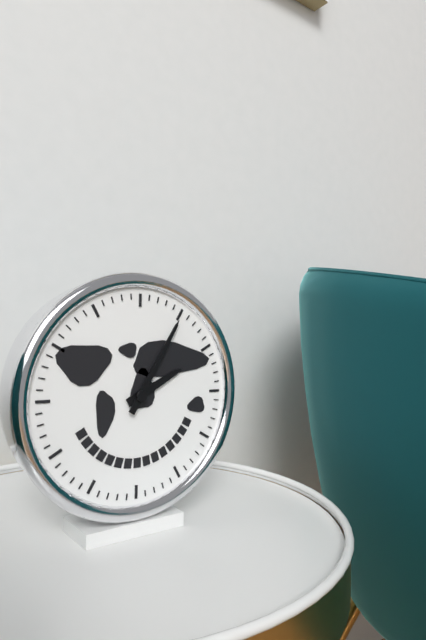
2:05
